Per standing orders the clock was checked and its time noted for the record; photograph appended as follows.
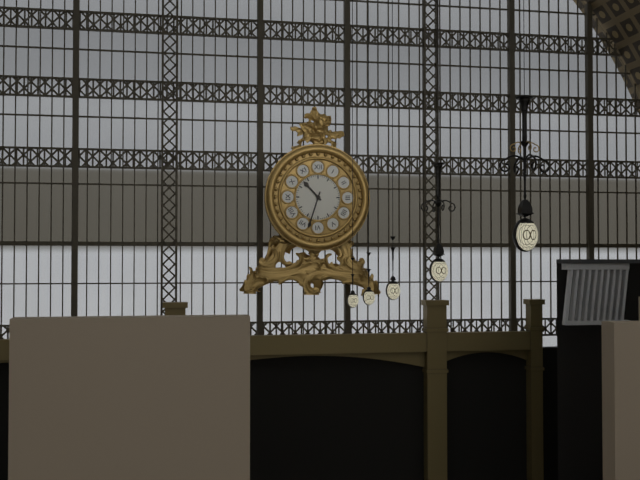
10:33
